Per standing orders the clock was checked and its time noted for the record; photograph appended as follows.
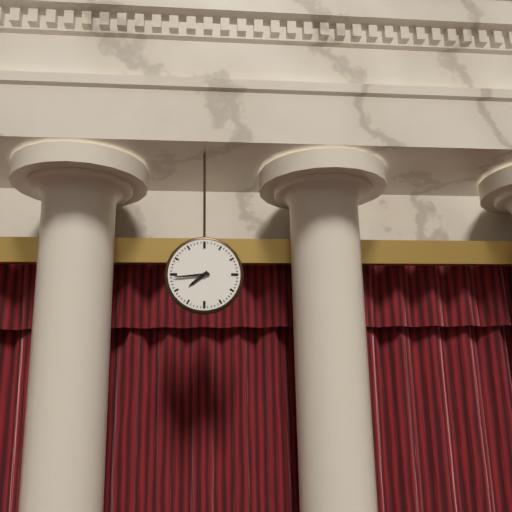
7:44
